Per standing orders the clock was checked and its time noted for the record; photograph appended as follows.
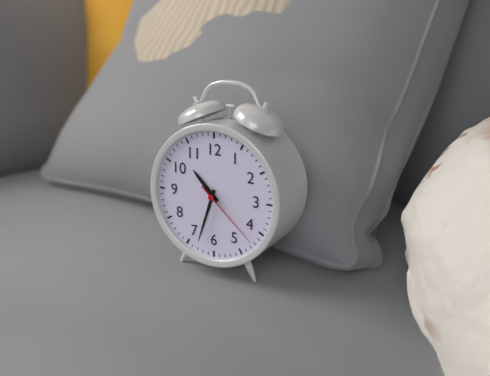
10:33:22
